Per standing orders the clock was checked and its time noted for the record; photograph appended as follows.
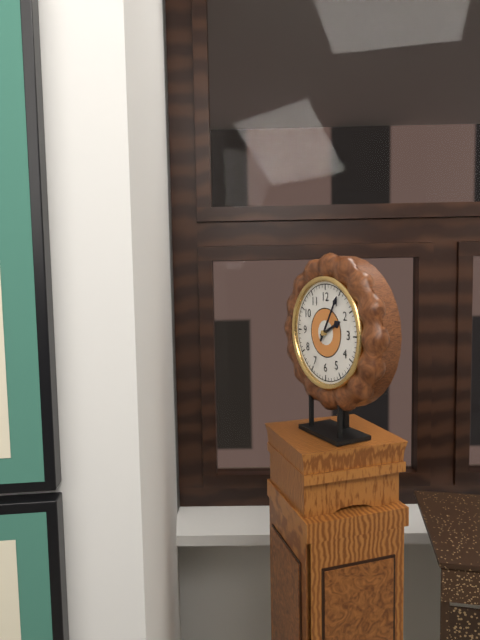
2:05
